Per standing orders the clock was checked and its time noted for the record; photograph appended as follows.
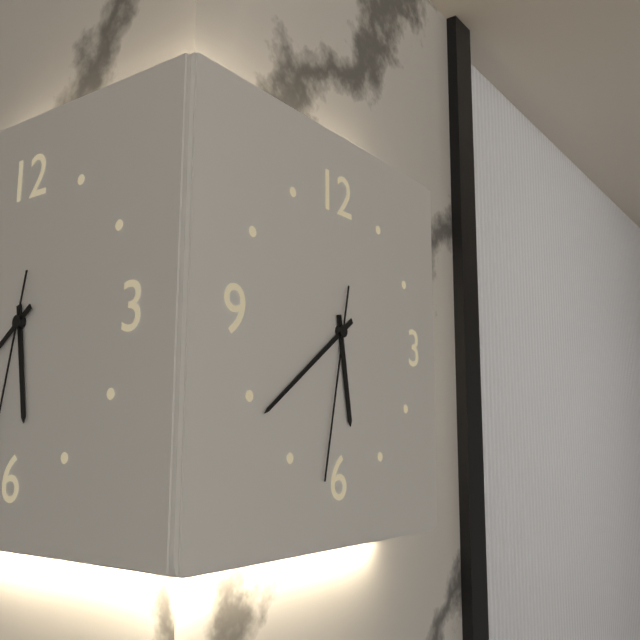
5:39:32
